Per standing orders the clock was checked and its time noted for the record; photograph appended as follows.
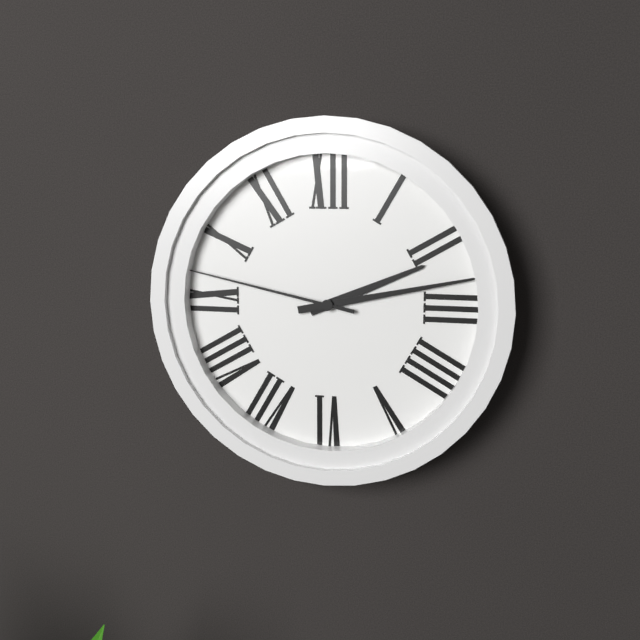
2:13:47
